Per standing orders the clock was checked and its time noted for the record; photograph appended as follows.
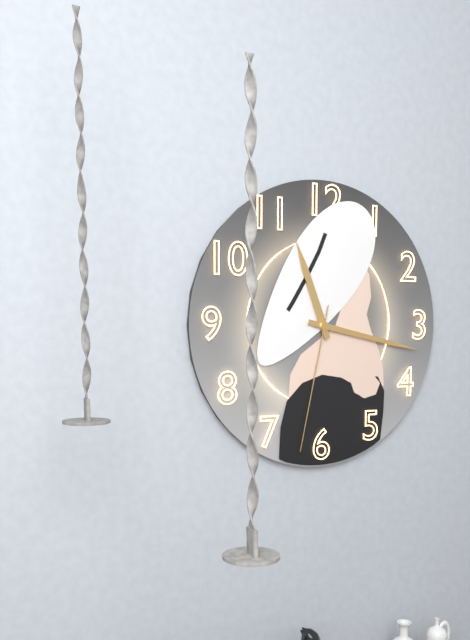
11:17:32
